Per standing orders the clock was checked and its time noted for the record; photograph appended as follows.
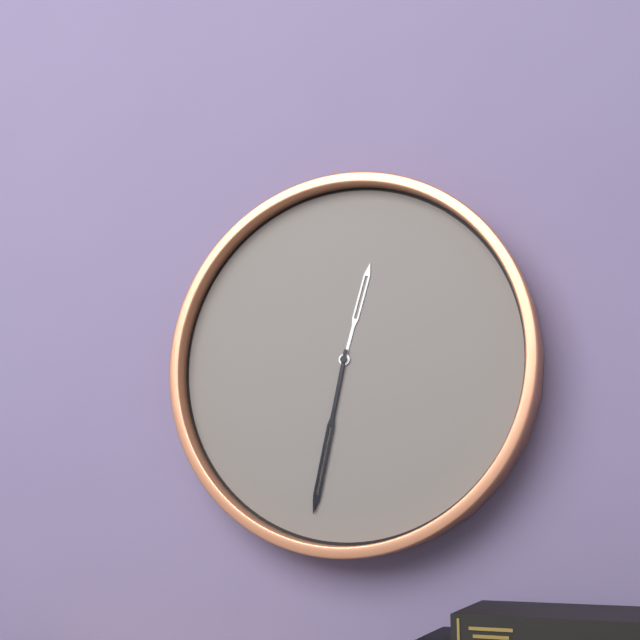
12:32
